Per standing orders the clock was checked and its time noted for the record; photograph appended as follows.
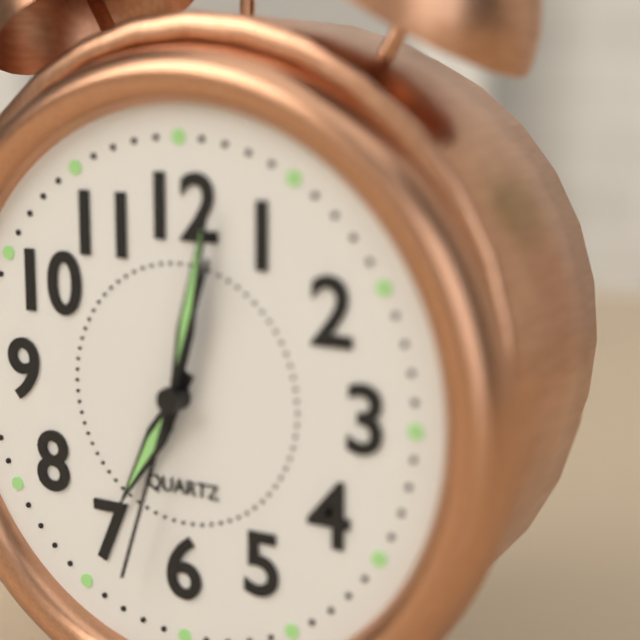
7:02:33
